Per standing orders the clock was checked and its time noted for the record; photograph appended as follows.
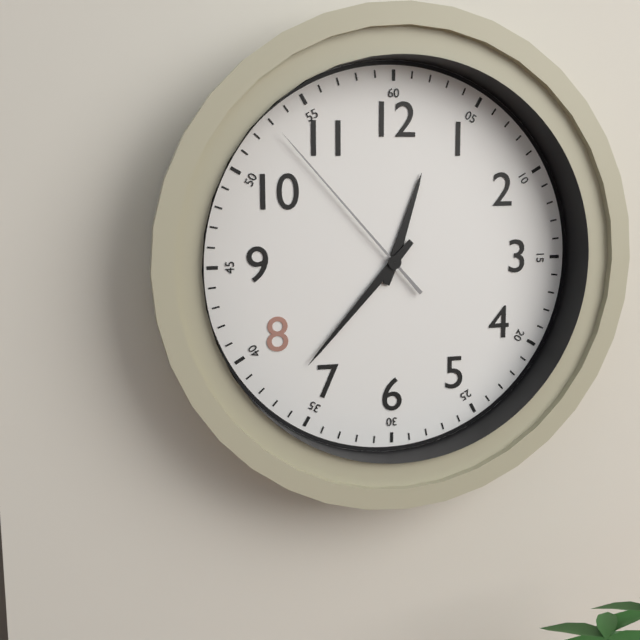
12:37:53
